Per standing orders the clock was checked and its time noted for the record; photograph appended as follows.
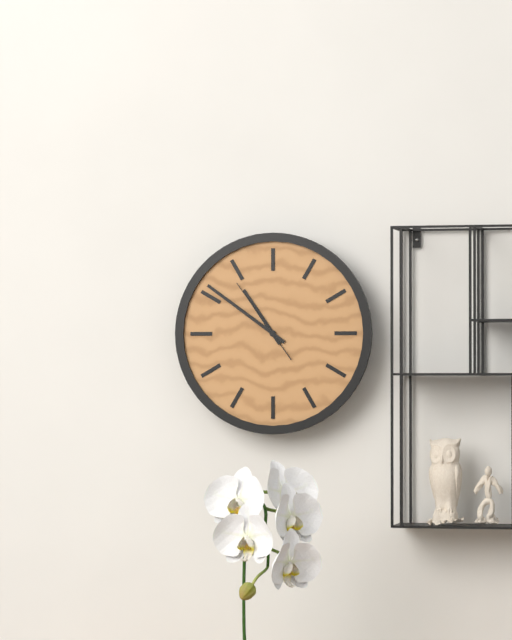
10:51:54
